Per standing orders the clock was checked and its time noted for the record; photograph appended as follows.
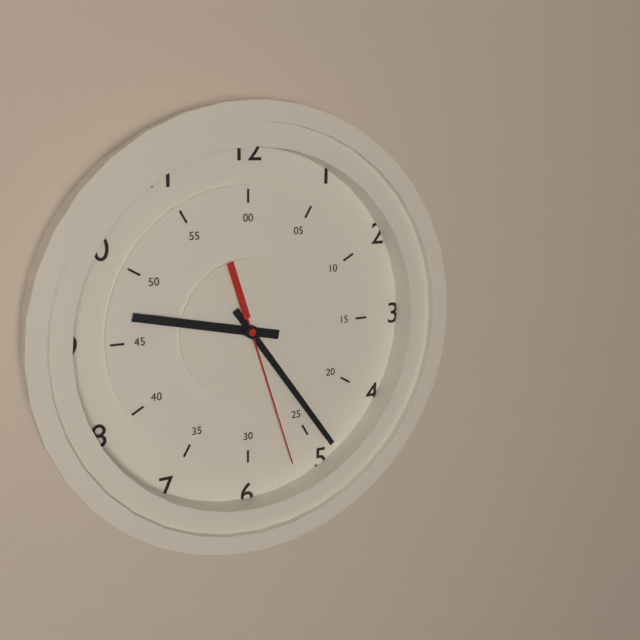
9:24:27
